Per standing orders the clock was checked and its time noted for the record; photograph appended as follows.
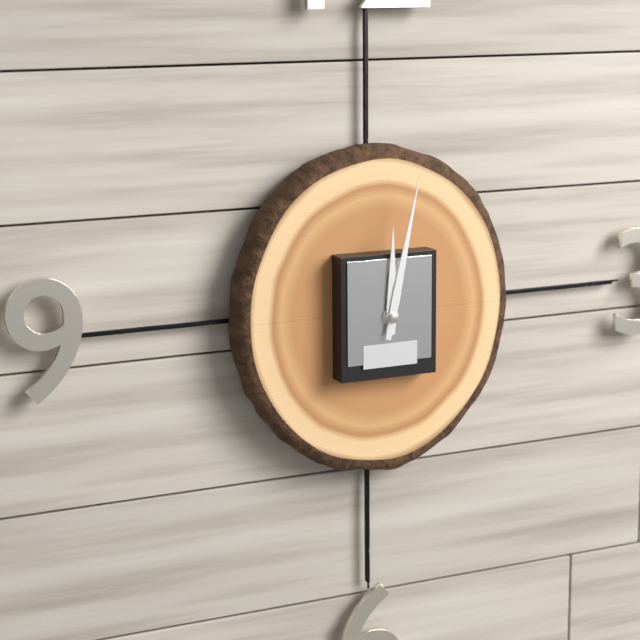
12:02
